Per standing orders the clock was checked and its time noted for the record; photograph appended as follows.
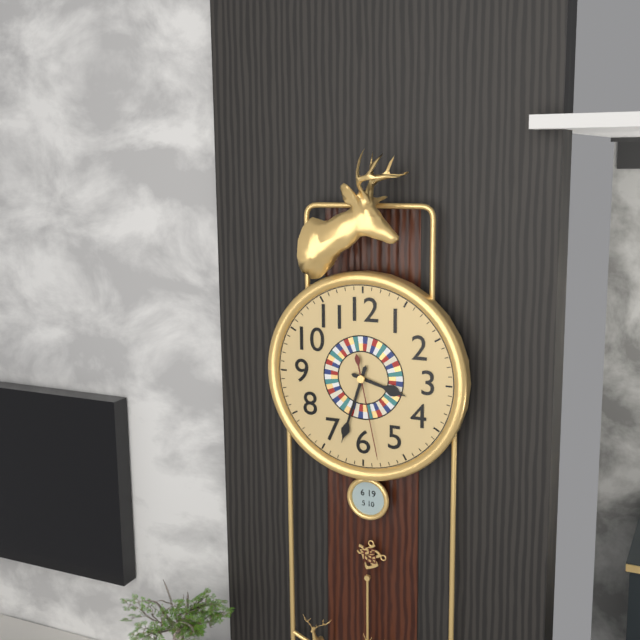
3:33:28
